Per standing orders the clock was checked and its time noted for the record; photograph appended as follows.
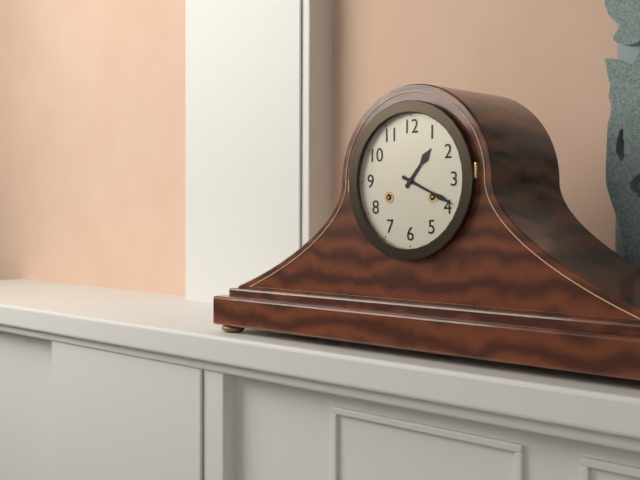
1:19
